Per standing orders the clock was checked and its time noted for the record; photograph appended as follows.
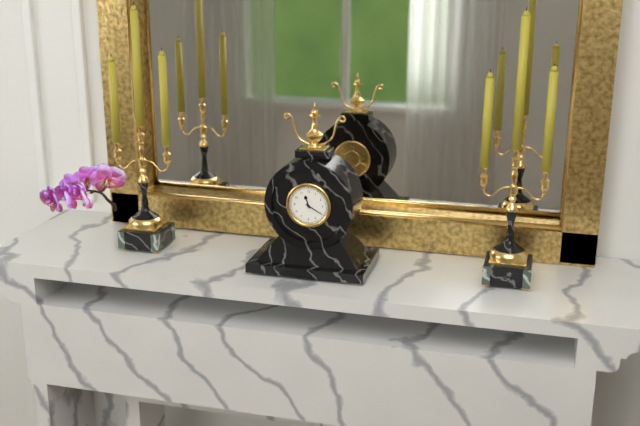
11:20
